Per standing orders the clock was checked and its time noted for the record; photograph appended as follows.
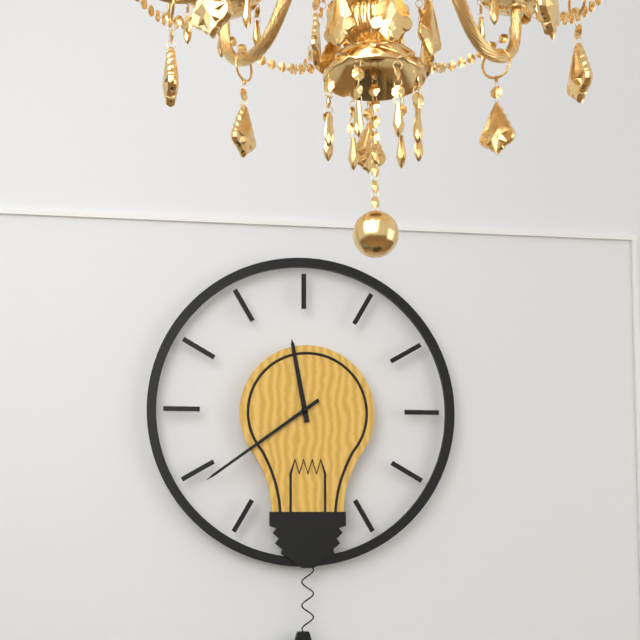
11:39
